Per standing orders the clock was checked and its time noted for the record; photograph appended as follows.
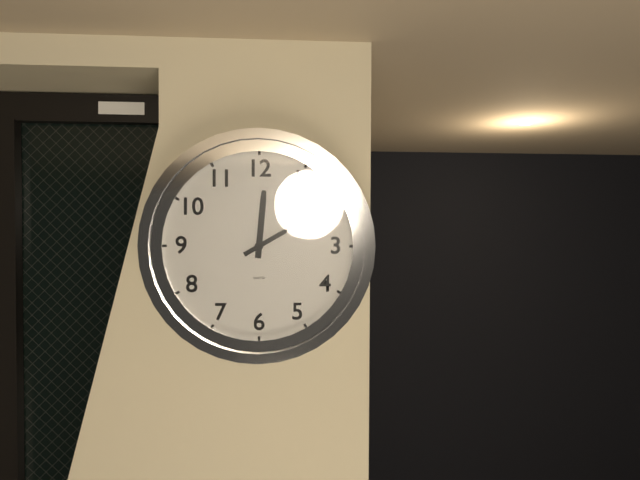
12:10
